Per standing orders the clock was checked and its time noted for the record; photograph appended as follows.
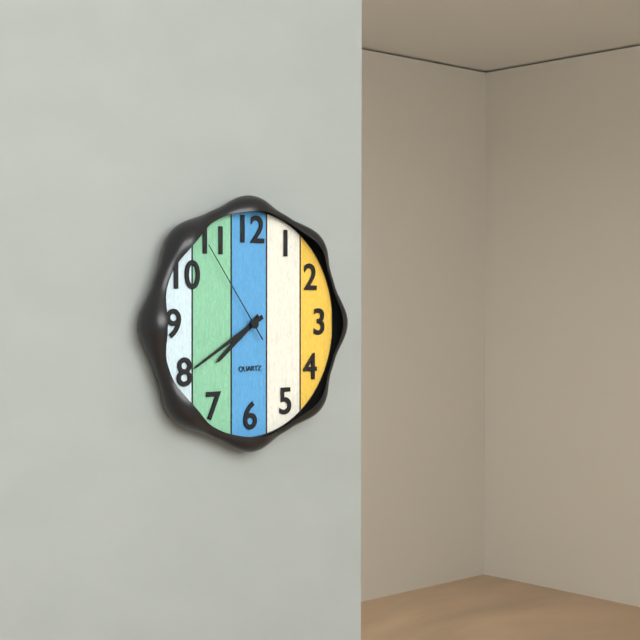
7:40:54
